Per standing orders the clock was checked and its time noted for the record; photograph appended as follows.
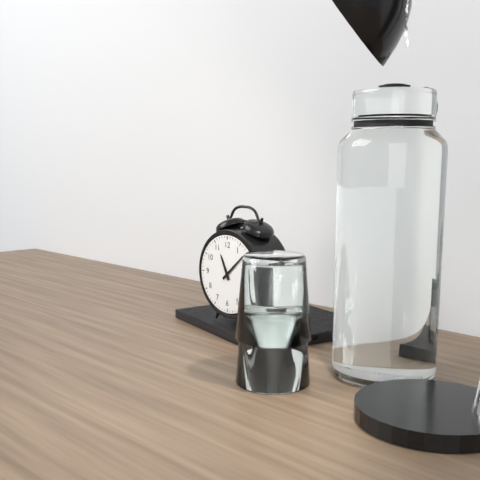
11:08
